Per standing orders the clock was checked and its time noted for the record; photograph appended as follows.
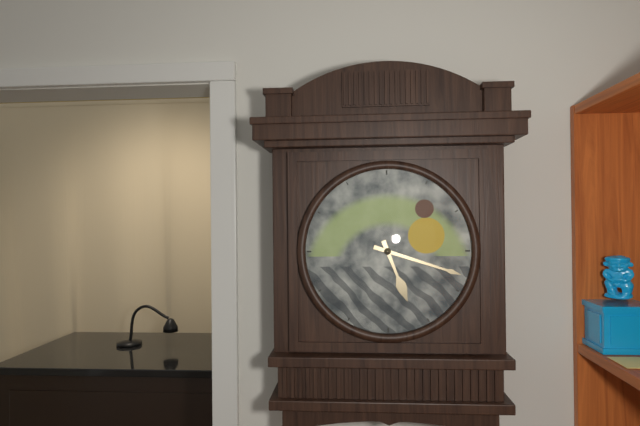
5:18
